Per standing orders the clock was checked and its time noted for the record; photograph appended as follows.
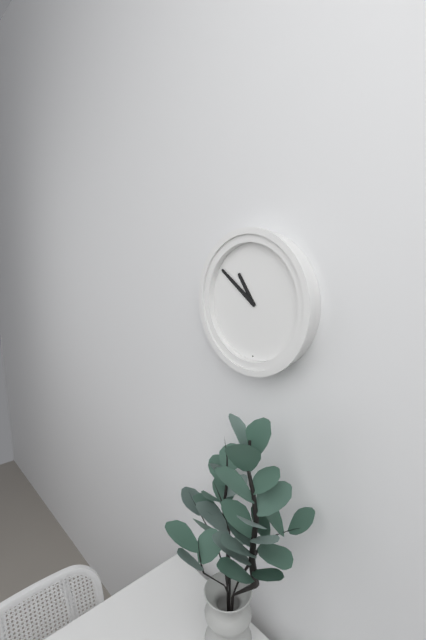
10:51
